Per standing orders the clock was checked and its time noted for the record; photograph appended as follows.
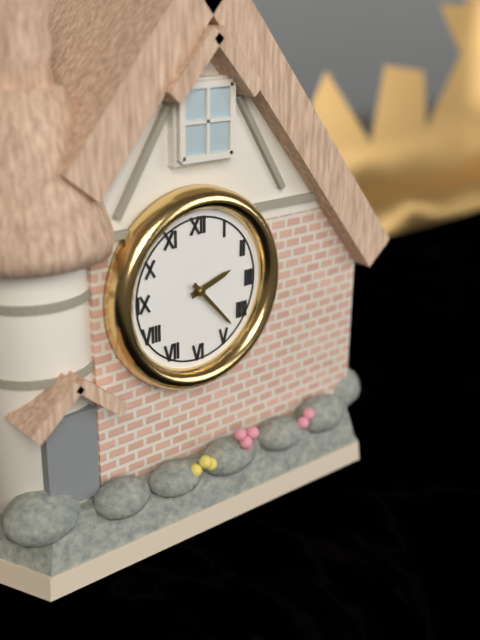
2:23
